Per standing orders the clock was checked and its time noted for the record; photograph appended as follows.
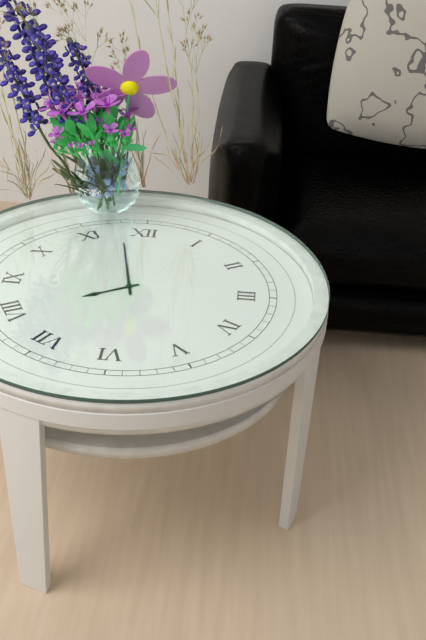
7:58
